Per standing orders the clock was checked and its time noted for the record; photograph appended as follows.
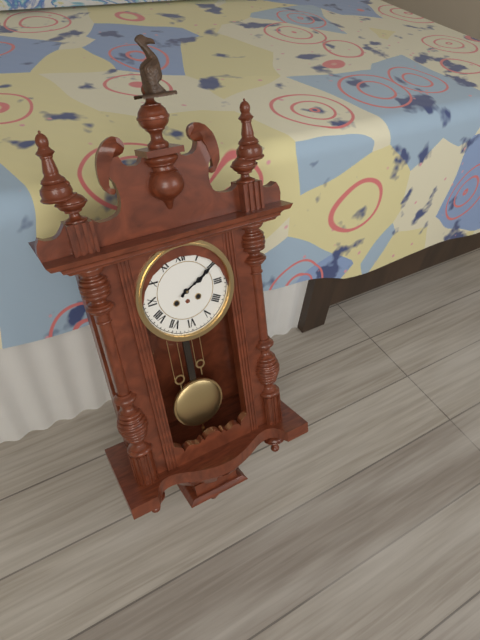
2:10
